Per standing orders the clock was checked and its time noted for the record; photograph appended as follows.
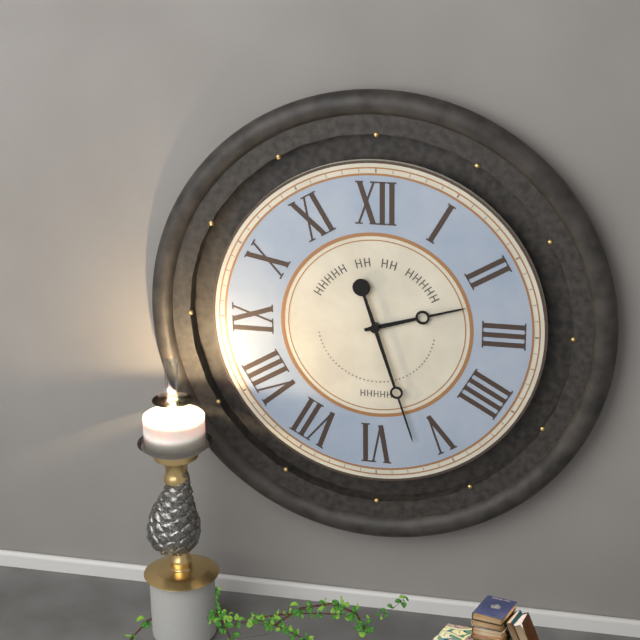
2:27
